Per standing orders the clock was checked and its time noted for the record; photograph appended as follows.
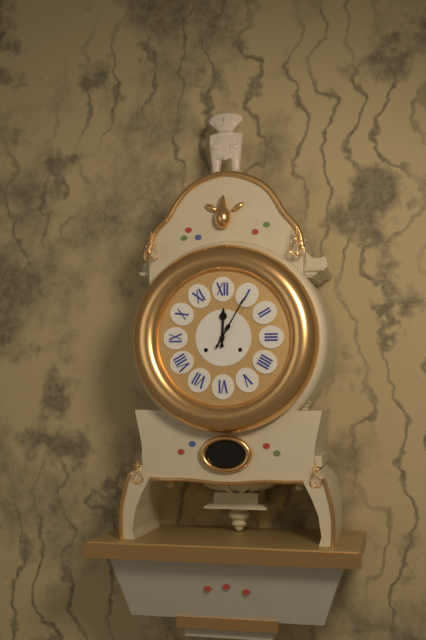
12:05
